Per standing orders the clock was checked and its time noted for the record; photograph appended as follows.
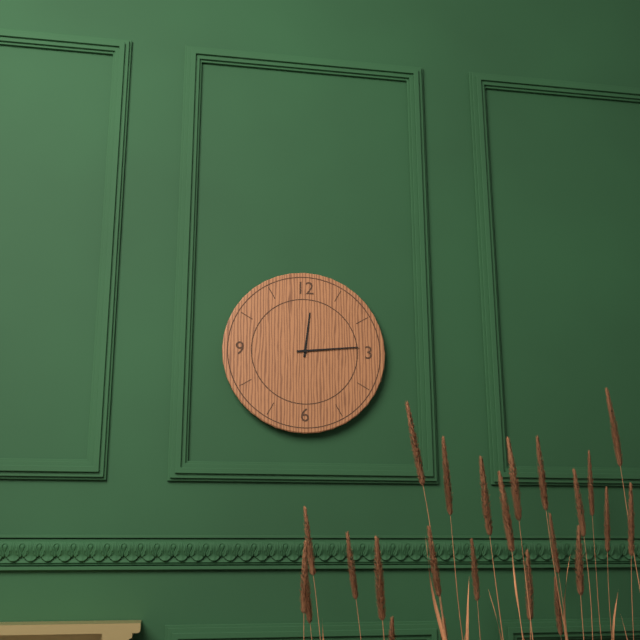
12:14
